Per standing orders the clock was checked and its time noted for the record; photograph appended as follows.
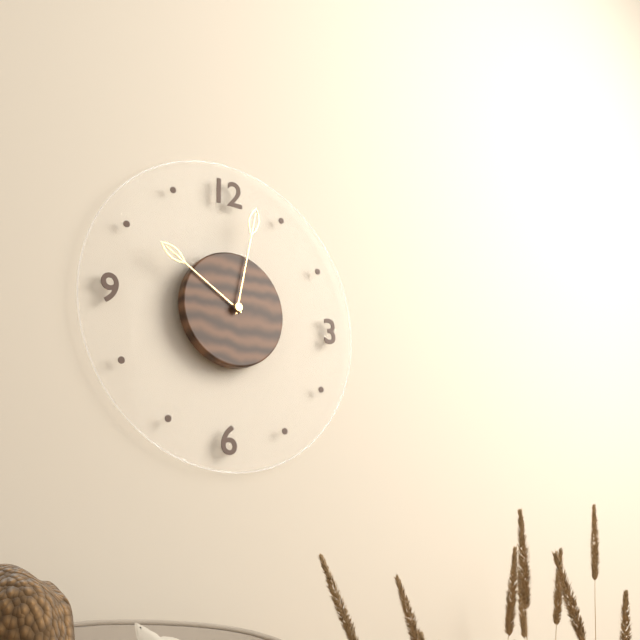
10:02
